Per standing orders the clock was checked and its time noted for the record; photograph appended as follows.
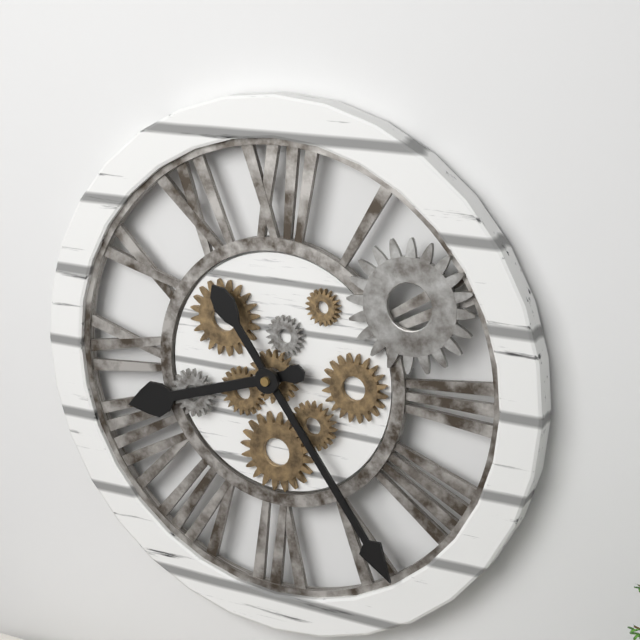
8:24
